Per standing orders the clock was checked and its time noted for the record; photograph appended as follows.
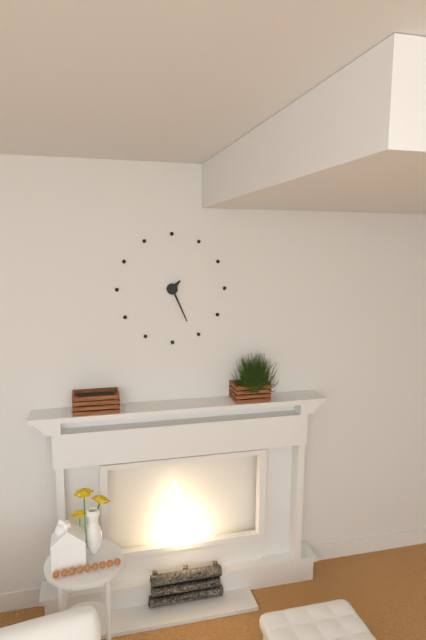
1:26
